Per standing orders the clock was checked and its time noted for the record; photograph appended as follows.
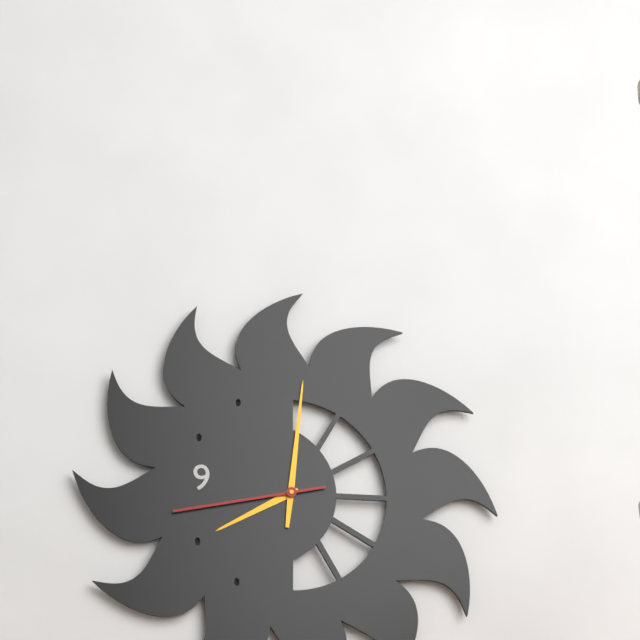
8:01:43
